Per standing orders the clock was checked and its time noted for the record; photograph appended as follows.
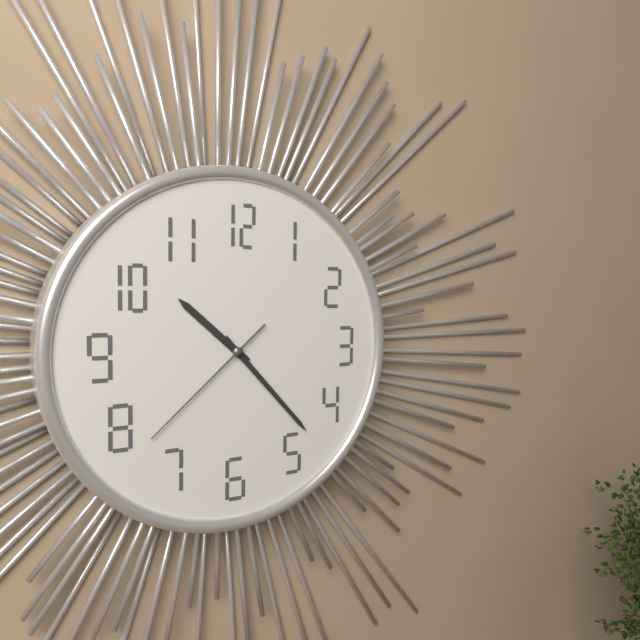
10:23:38
